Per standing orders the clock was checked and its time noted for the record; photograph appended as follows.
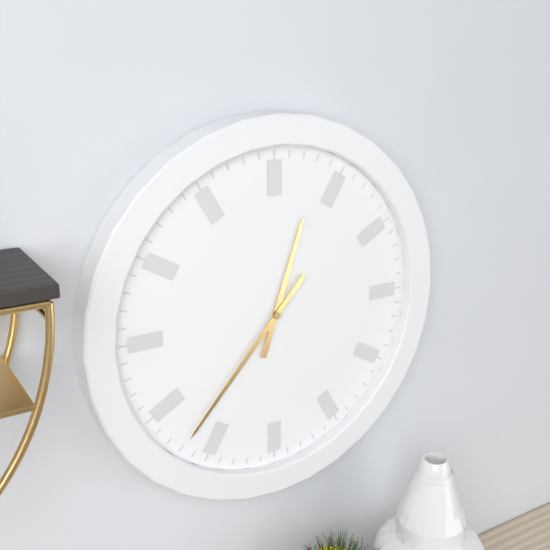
12:37
